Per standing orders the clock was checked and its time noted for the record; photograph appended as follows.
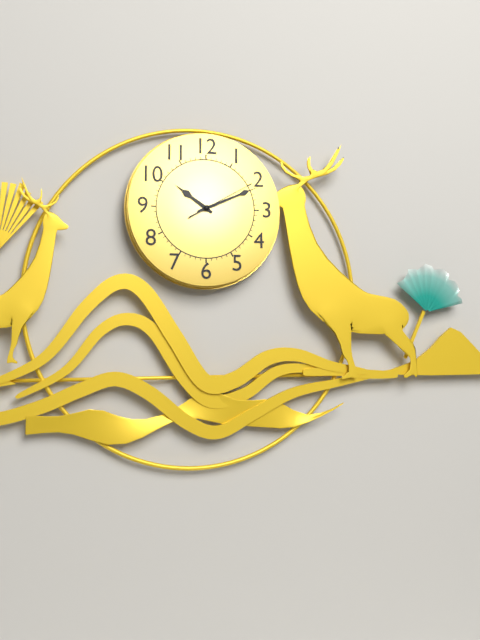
10:11:10
